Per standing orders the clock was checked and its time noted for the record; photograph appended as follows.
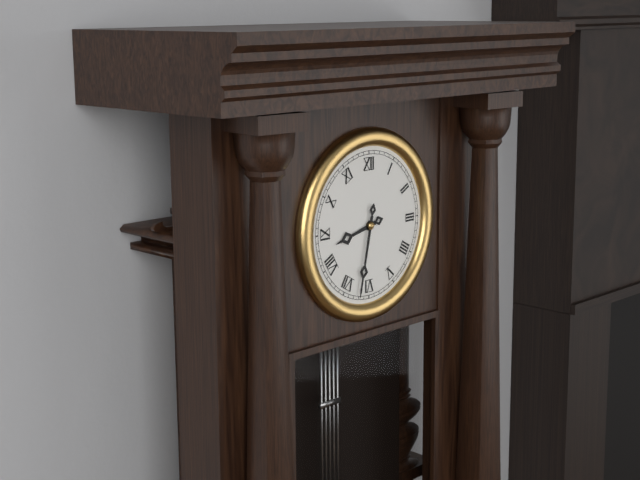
8:32
